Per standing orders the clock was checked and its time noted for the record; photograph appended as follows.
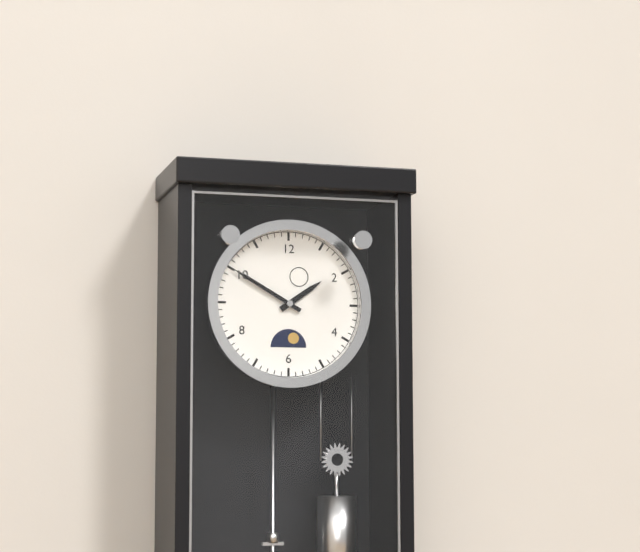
1:50
